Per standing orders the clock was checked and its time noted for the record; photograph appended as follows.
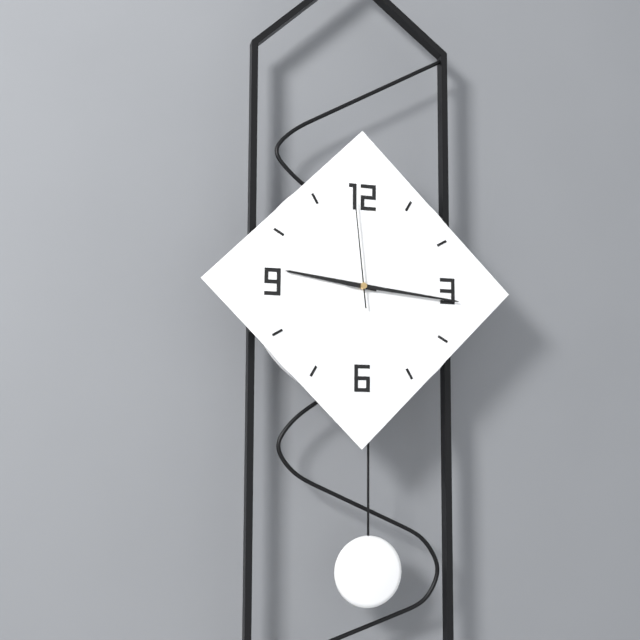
9:16:59
